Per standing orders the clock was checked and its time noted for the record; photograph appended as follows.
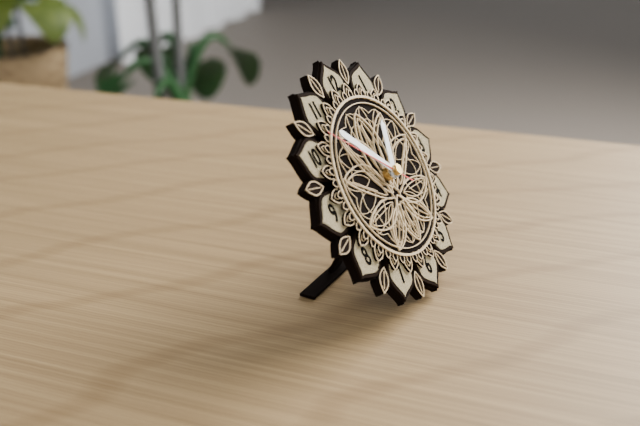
12:53:52
